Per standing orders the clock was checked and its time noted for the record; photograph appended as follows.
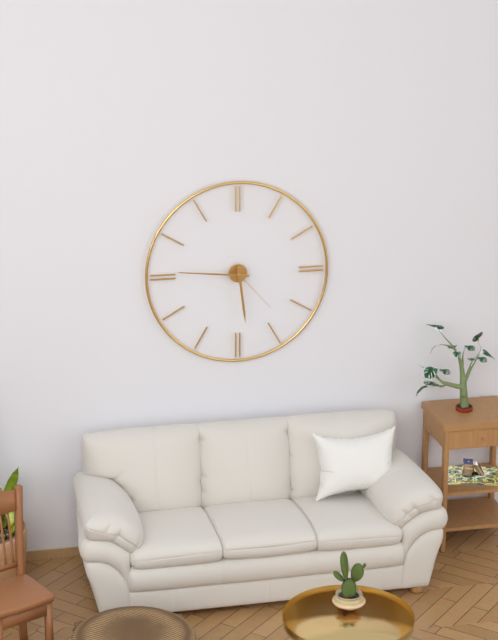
5:46:23
